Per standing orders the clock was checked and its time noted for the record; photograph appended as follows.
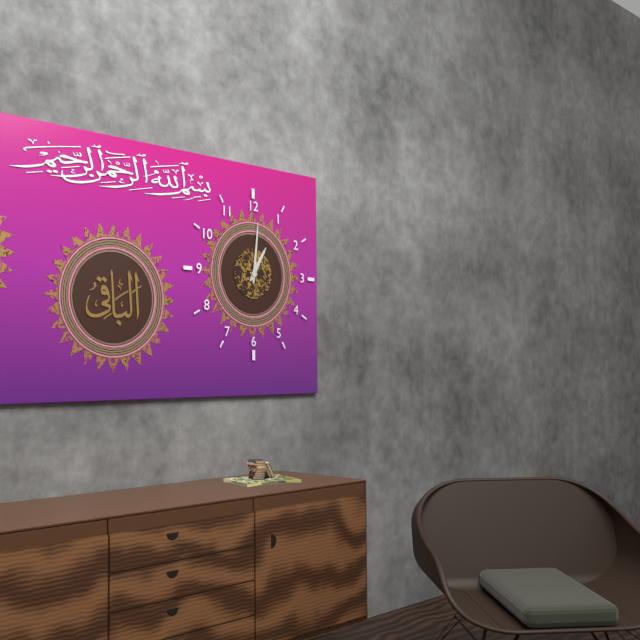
1:01
